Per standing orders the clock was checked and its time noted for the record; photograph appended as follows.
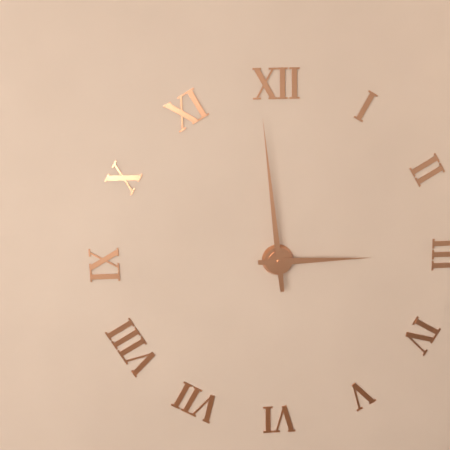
2:59
